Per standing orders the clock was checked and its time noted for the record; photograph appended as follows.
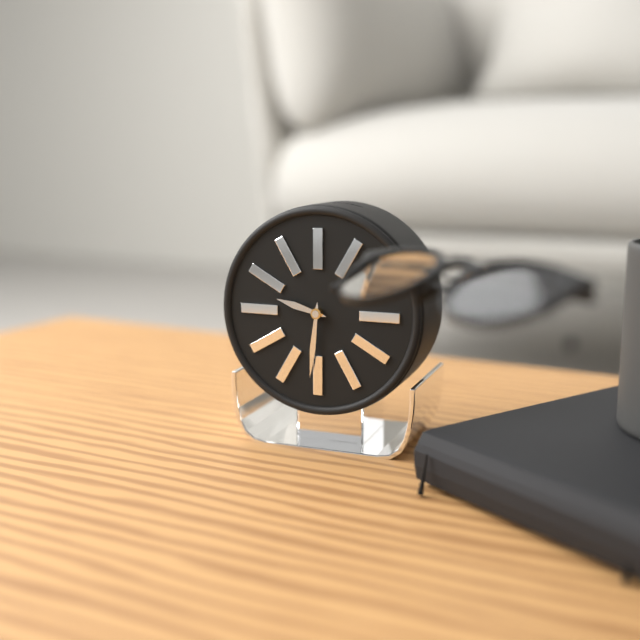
9:31
